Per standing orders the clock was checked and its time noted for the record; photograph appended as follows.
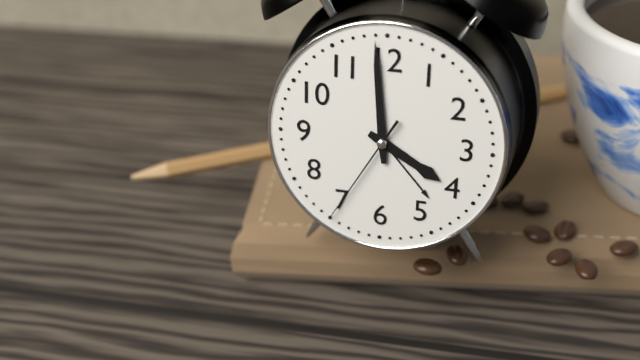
3:59:35
